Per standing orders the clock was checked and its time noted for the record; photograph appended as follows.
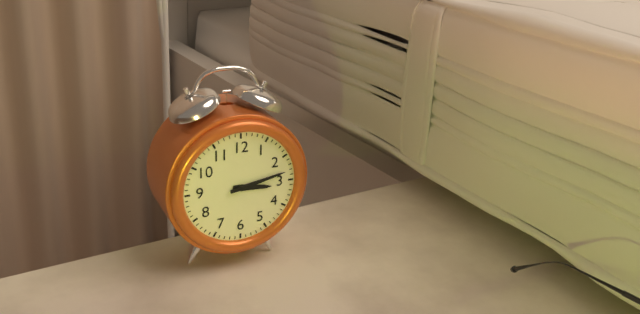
3:13
